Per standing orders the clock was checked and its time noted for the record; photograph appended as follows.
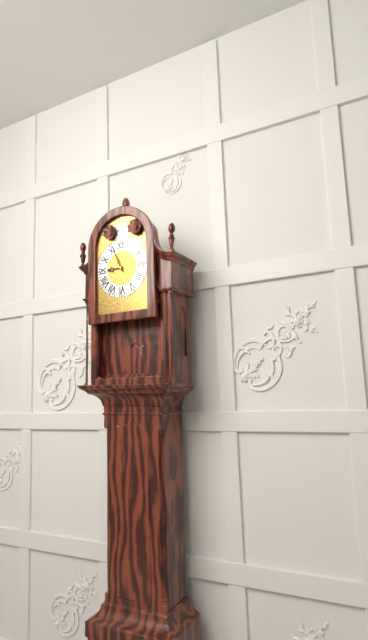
8:56
